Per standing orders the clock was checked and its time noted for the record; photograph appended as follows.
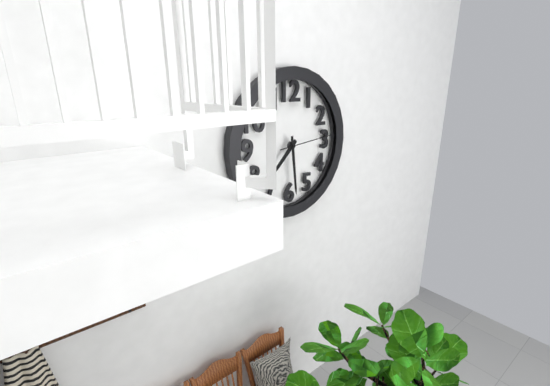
7:29:14
